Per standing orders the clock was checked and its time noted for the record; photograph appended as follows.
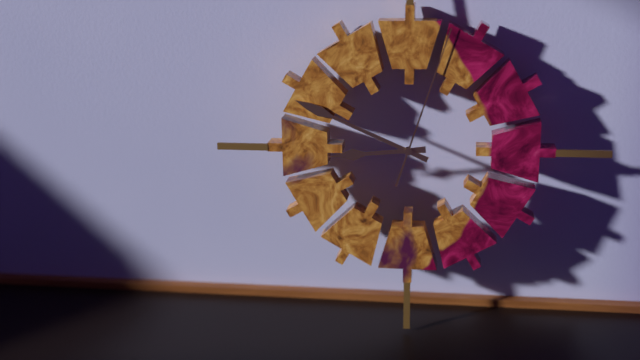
8:49:03
